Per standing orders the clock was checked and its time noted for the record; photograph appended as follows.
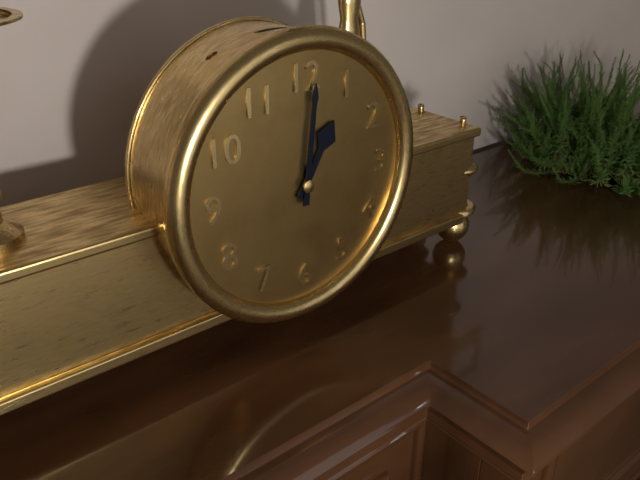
1:01
